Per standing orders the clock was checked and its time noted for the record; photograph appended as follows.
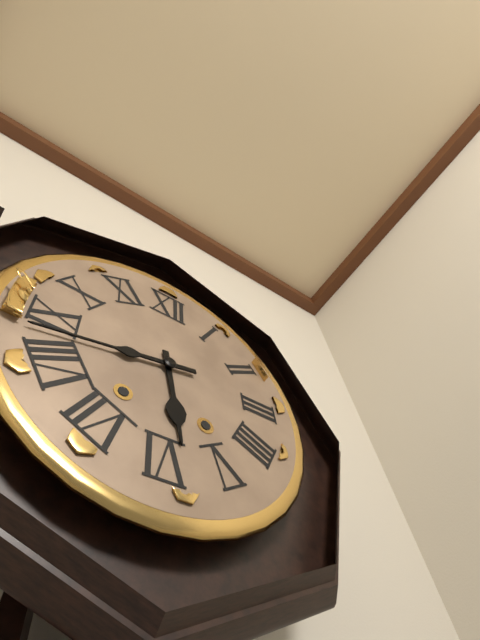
5:43
